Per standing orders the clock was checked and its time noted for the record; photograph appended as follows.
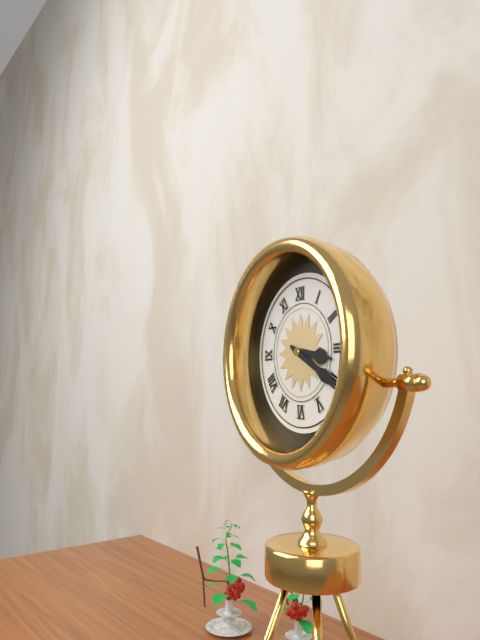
3:20
